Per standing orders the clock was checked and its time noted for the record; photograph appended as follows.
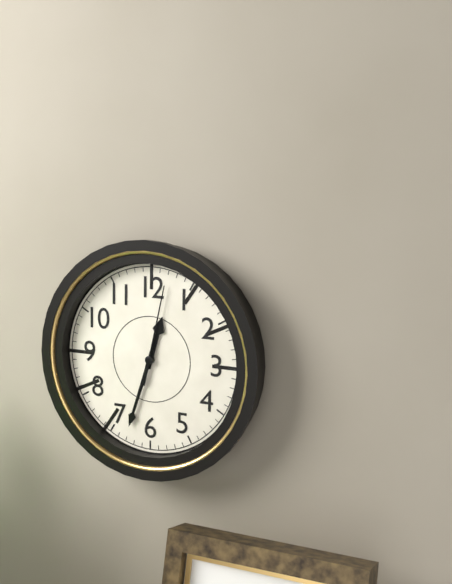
12:33:02
